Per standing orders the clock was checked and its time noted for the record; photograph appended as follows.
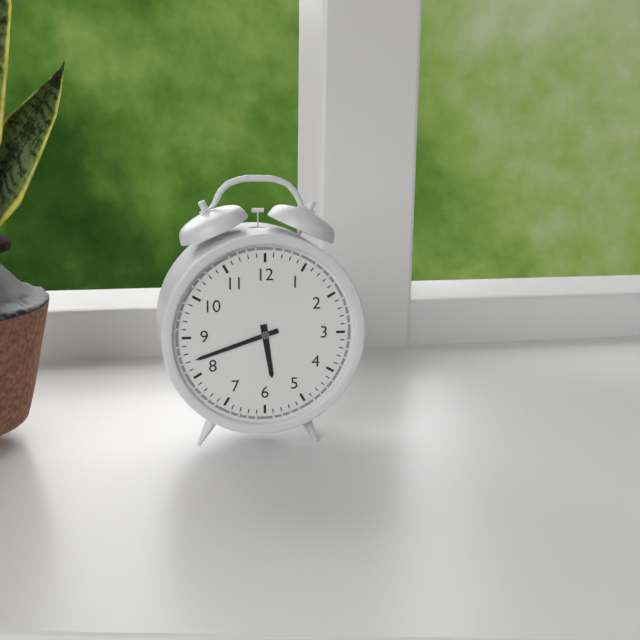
5:42
